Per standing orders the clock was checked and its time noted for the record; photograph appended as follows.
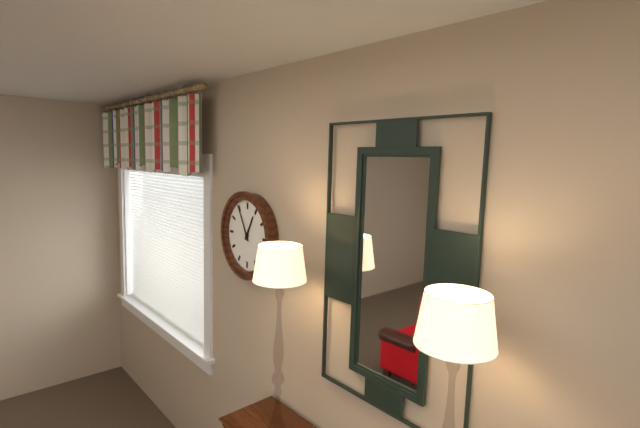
12:55
